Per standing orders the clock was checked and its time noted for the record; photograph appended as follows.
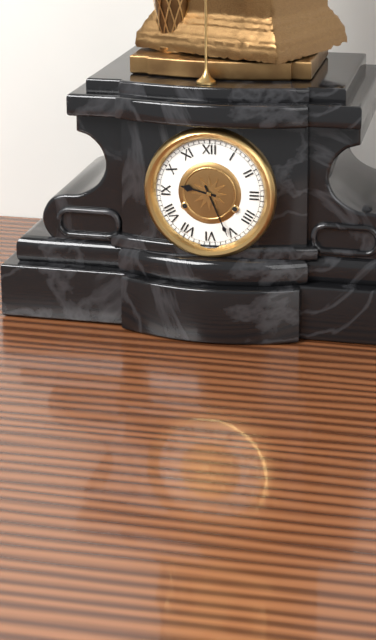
9:26
